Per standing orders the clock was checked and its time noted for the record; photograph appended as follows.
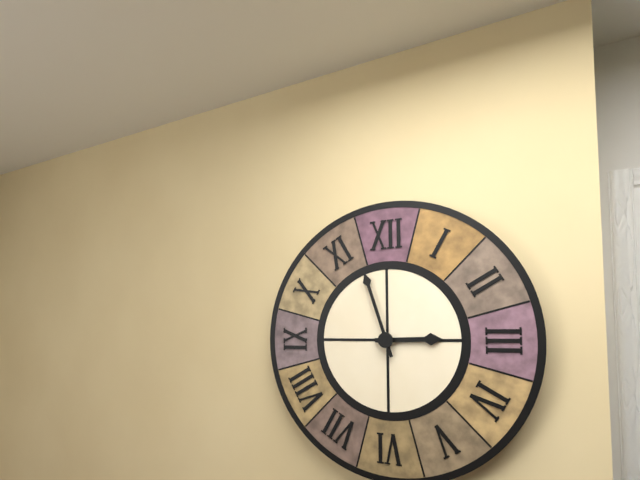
2:57
